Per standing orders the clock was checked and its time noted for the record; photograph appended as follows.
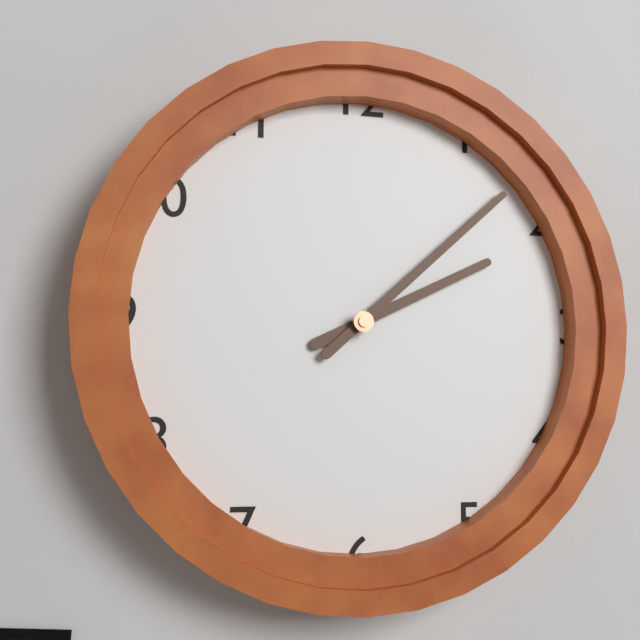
2:08
